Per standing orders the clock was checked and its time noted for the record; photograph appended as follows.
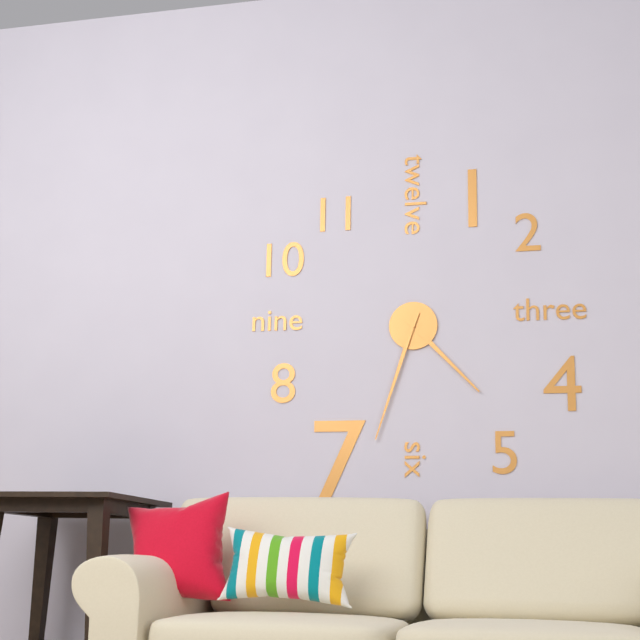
4:33
